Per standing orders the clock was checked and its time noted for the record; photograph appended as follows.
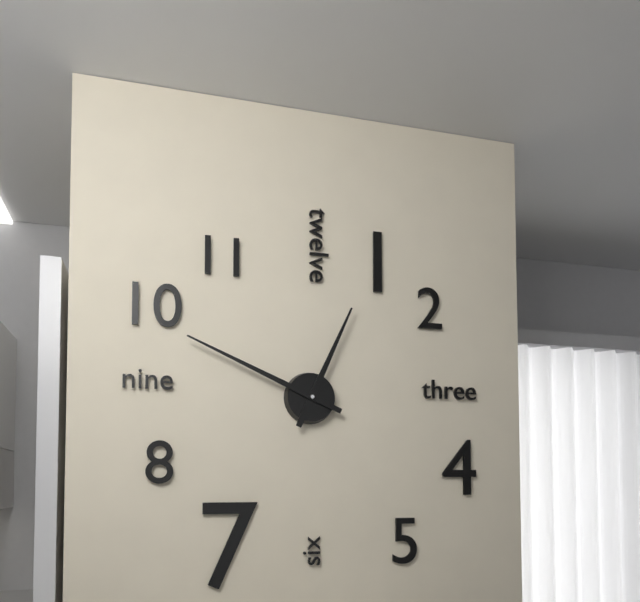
12:49
